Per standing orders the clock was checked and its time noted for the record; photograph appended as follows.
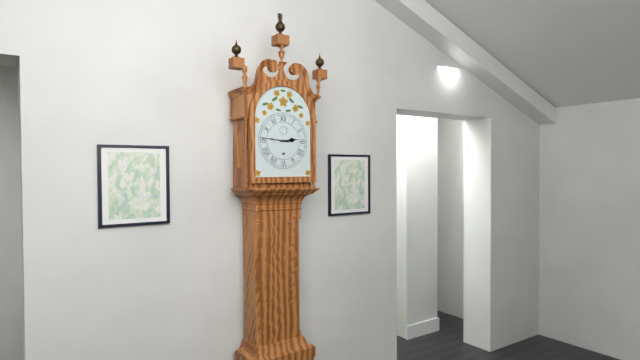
2:46
